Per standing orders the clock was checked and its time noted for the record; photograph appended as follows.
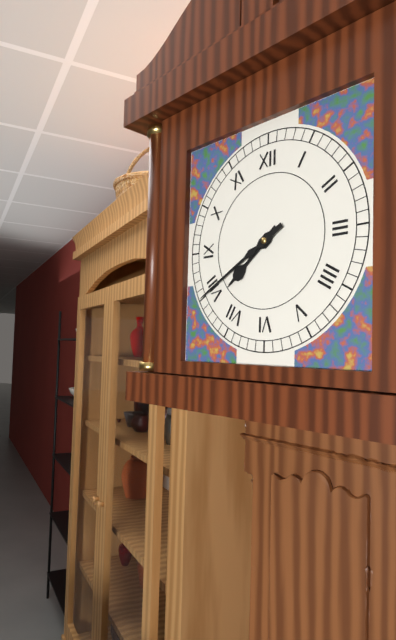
7:40
